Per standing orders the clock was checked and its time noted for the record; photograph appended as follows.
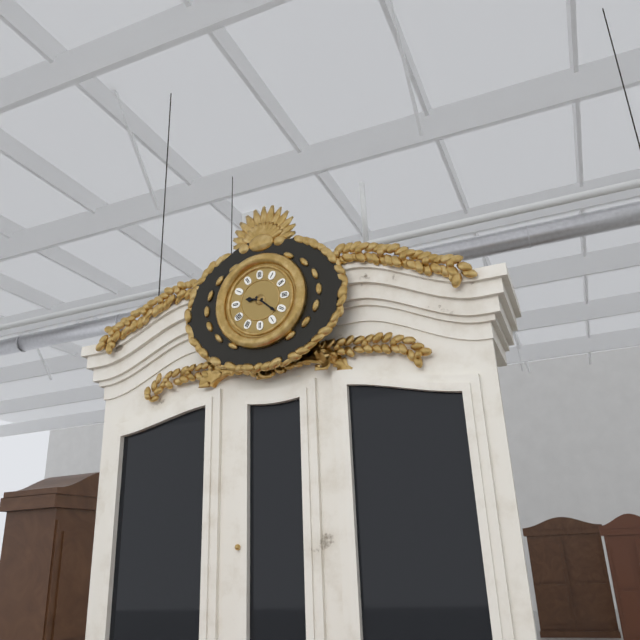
9:22
